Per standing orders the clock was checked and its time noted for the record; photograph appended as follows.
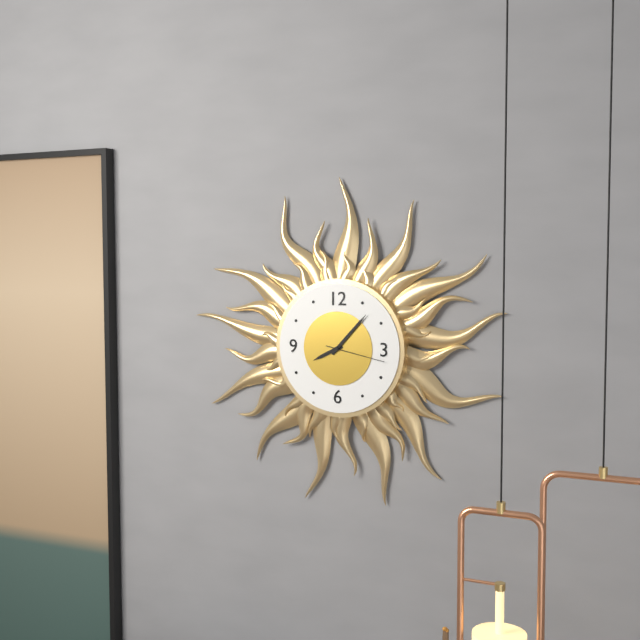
8:07:17
